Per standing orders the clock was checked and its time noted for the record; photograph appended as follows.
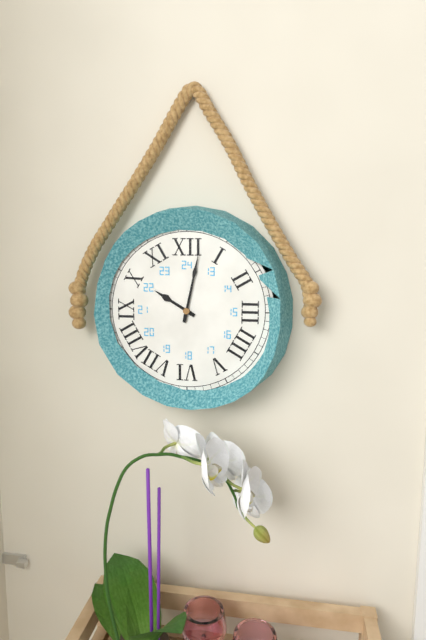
10:02
